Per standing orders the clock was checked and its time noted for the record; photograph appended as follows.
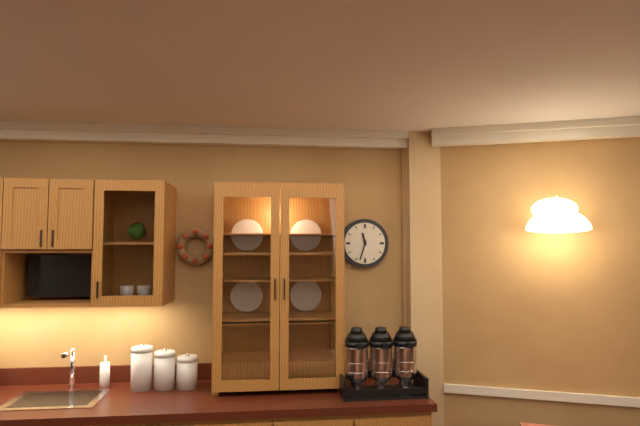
11:33
